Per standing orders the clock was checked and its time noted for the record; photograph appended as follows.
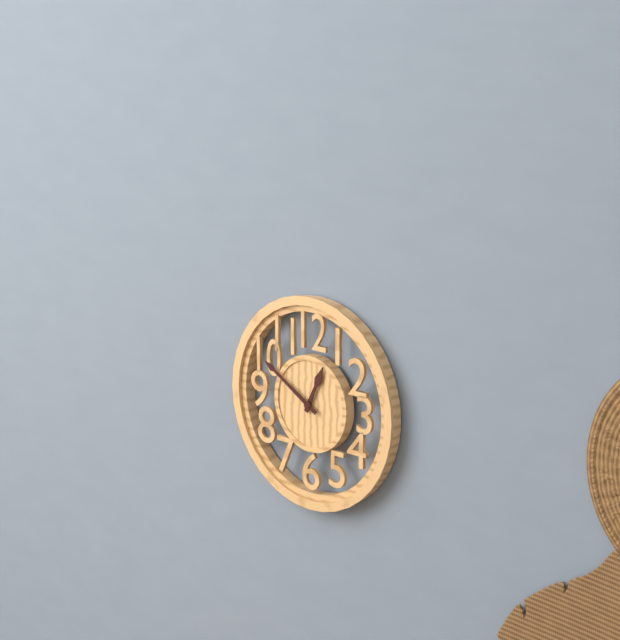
12:50
